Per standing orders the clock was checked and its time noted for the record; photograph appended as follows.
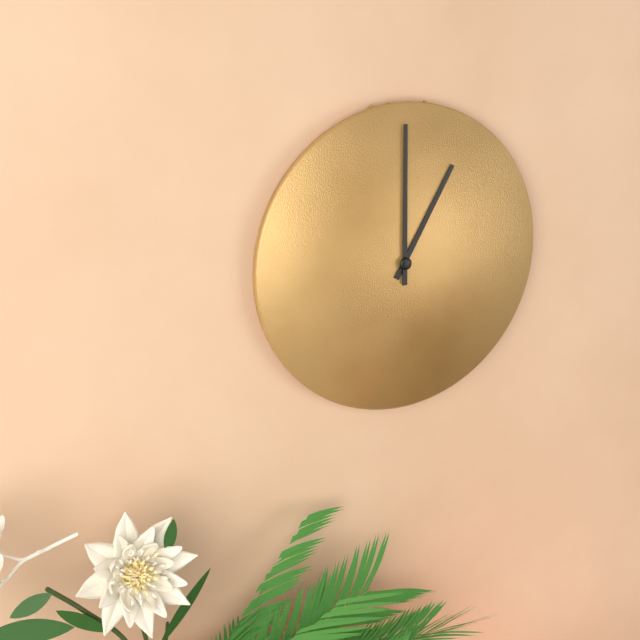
1:00
